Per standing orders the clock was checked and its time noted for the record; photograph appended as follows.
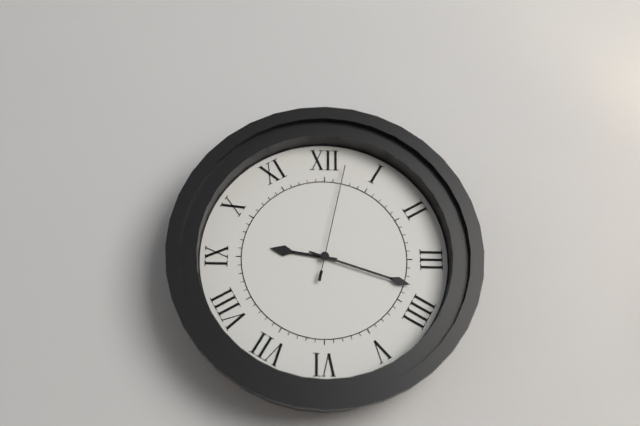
9:18:02
